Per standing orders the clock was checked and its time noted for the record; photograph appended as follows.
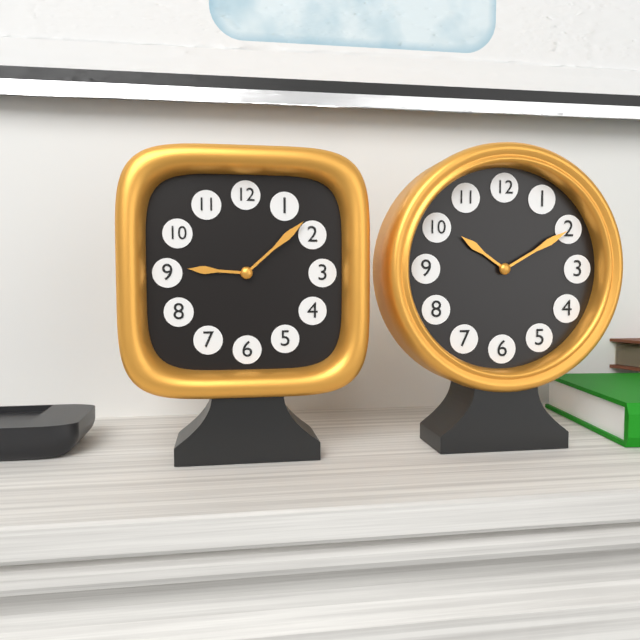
9:08
